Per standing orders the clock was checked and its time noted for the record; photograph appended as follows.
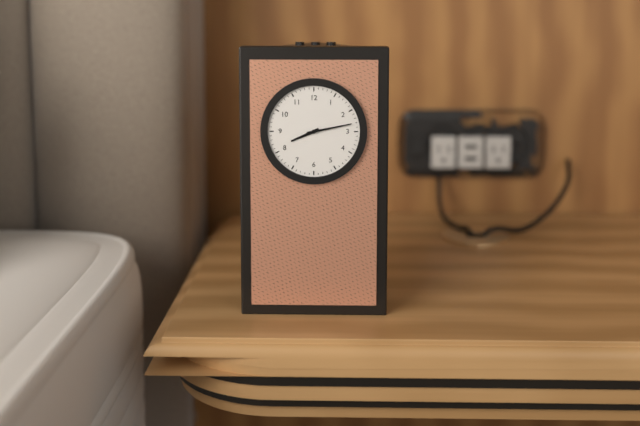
8:13
